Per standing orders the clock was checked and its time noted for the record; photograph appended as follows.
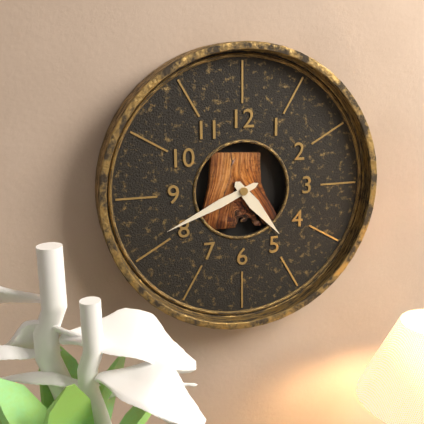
4:41
